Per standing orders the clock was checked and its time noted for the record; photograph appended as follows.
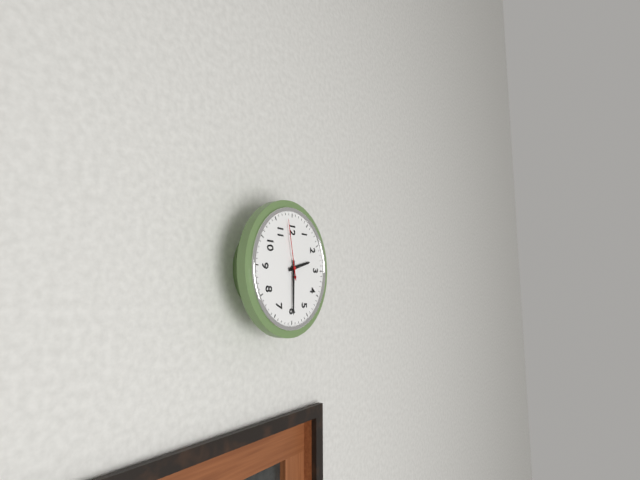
2:30:58
